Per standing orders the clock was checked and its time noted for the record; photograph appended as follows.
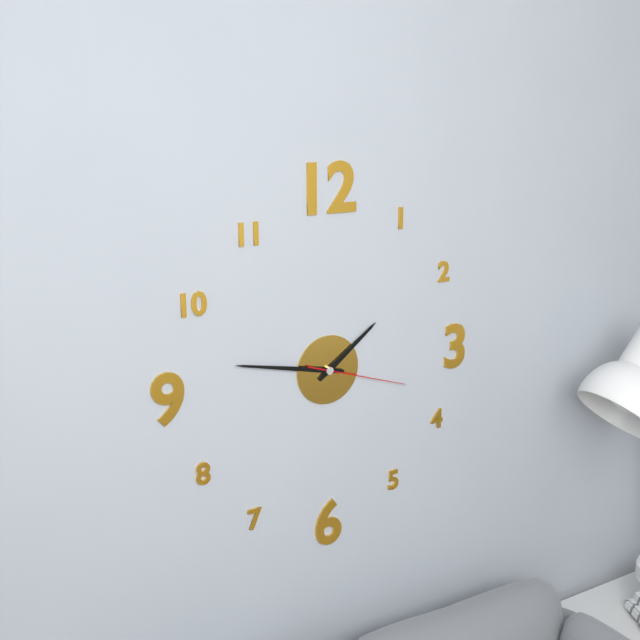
1:47:18
